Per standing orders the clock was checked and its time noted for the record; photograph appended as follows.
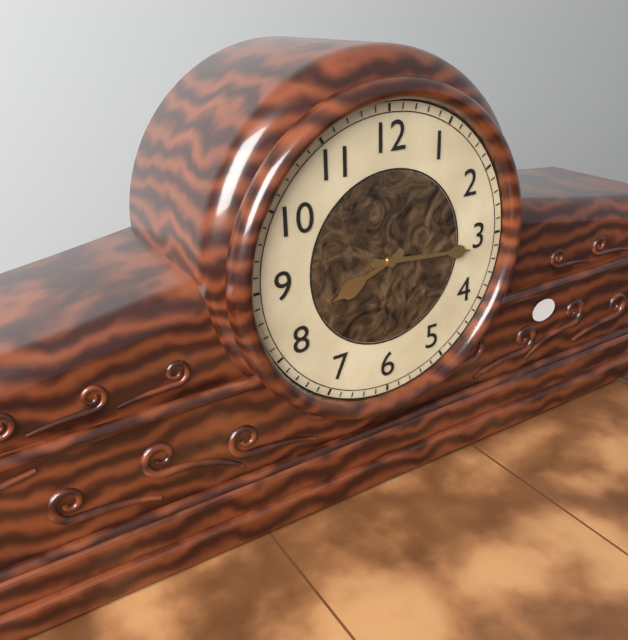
8:16
